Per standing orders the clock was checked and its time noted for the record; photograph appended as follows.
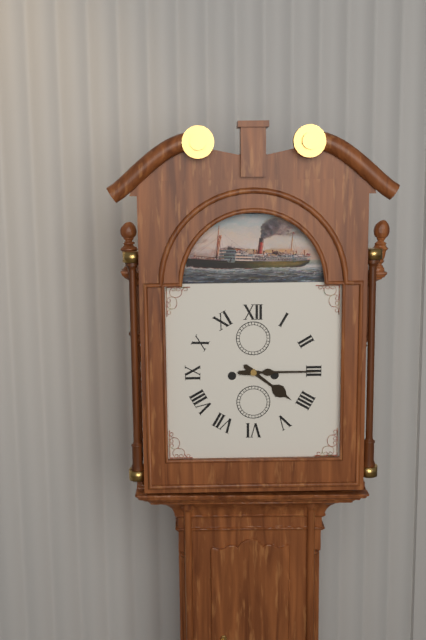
4:15
